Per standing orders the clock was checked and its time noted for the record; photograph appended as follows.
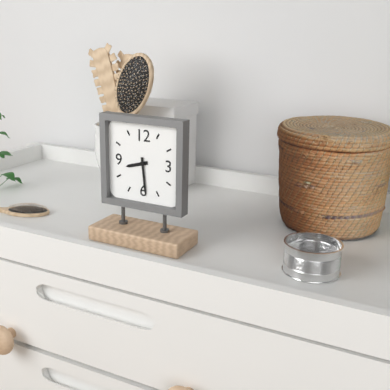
8:29
